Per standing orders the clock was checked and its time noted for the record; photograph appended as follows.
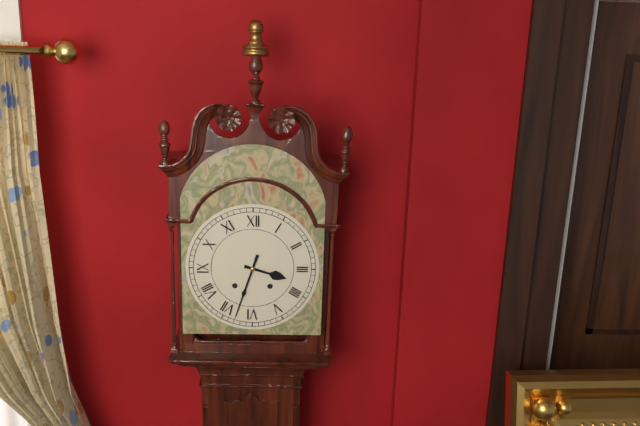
3:33
